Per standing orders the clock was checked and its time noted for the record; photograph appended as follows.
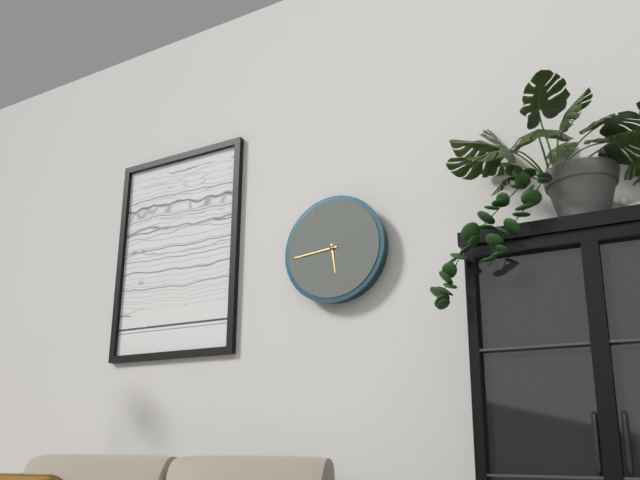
5:44
